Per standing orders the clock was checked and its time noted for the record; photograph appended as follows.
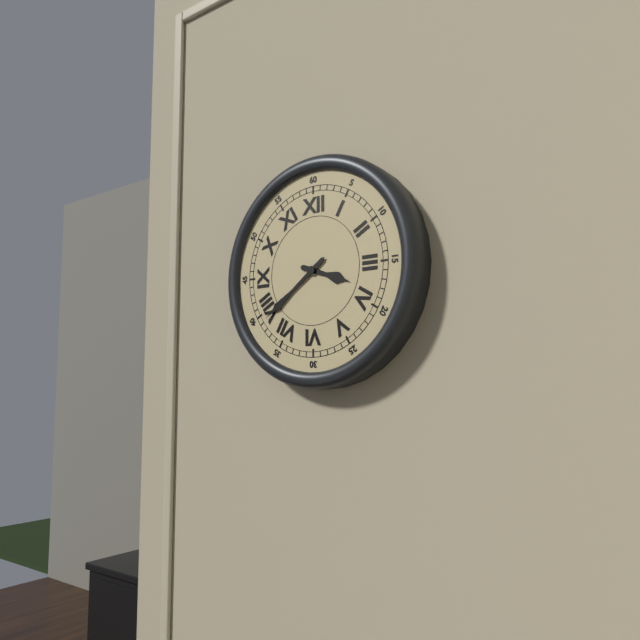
3:39
